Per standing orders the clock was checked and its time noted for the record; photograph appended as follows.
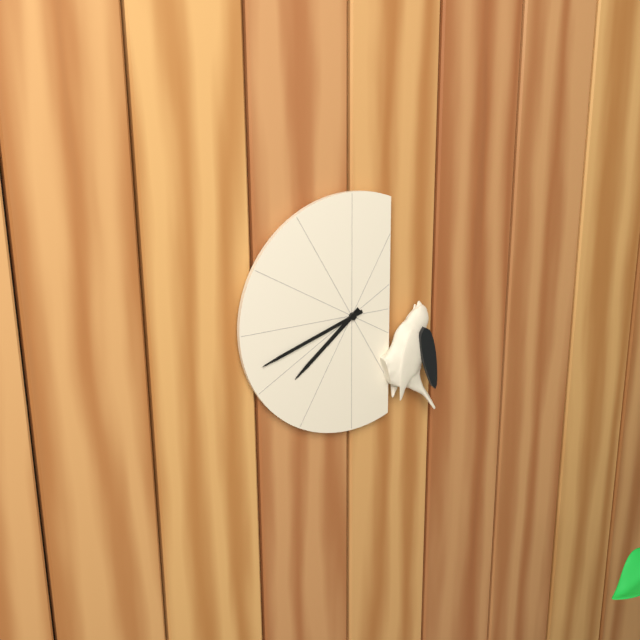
7:42
